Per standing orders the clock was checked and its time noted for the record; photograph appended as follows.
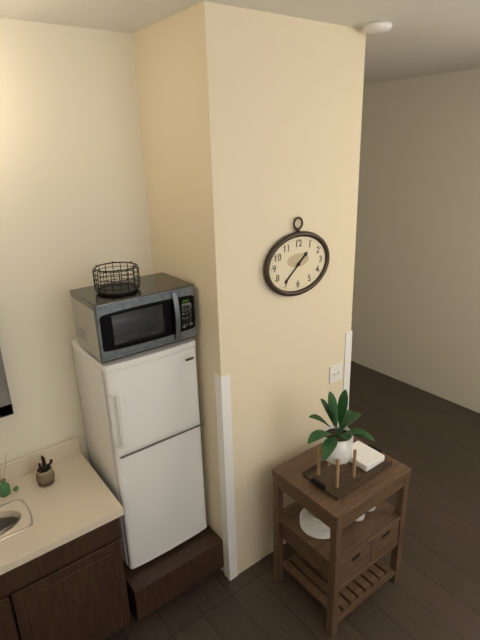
1:38
